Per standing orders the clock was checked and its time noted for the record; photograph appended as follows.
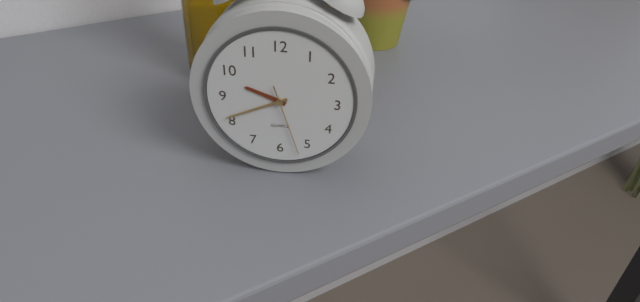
9:41:27
